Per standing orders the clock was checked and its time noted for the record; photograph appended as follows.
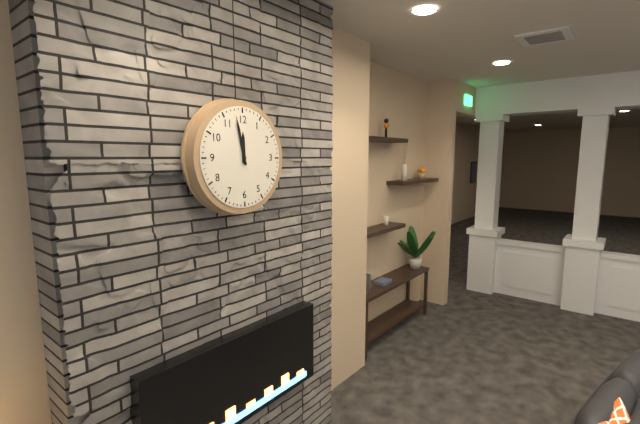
11:58
